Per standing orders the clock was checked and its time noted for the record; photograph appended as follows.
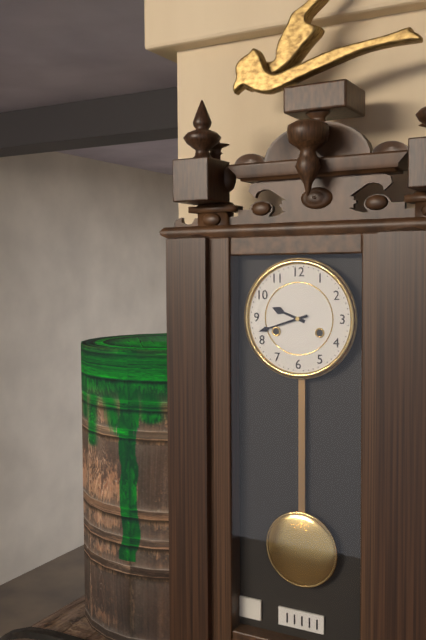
9:42
